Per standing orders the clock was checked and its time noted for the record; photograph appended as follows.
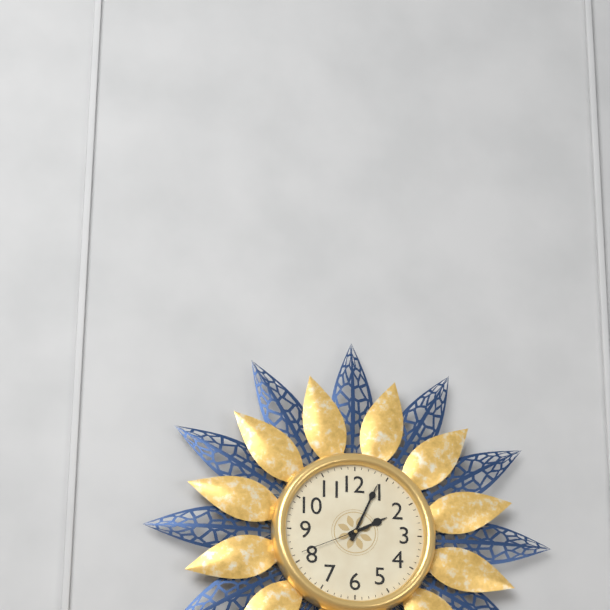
2:04:41
